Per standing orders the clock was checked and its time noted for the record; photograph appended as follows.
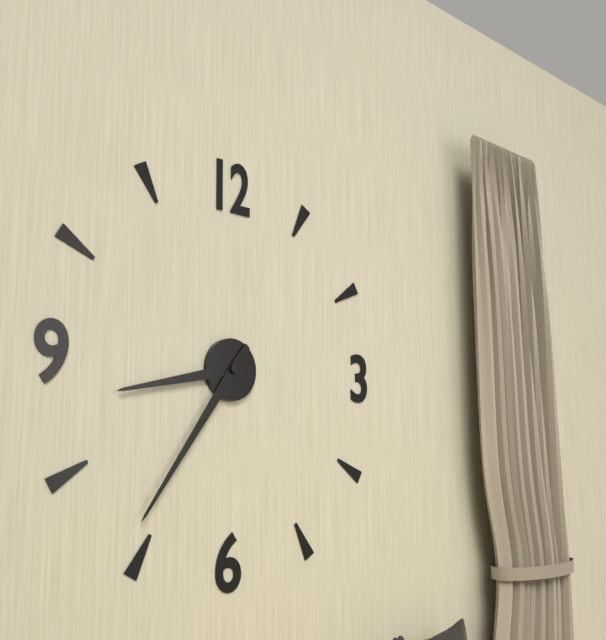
8:36
